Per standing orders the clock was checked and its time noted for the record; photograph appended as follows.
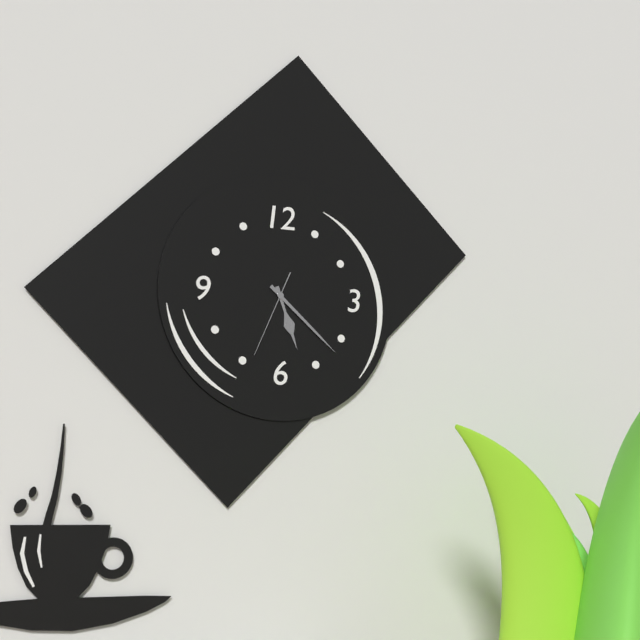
5:22:34
